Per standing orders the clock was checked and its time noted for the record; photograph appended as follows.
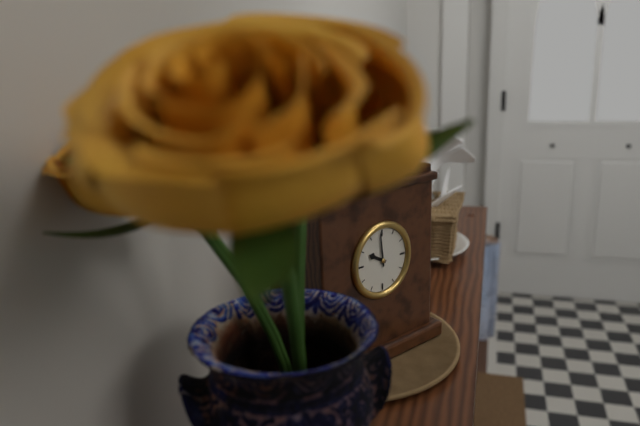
9:59
